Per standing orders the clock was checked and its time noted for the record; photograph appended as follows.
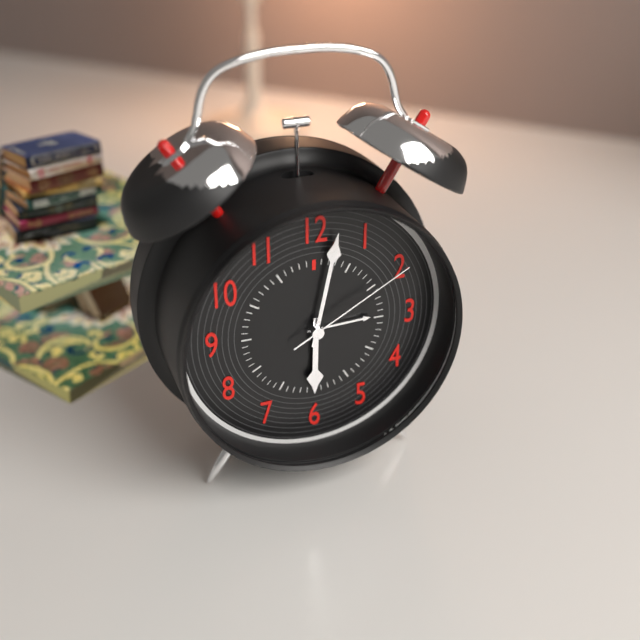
6:02:10
